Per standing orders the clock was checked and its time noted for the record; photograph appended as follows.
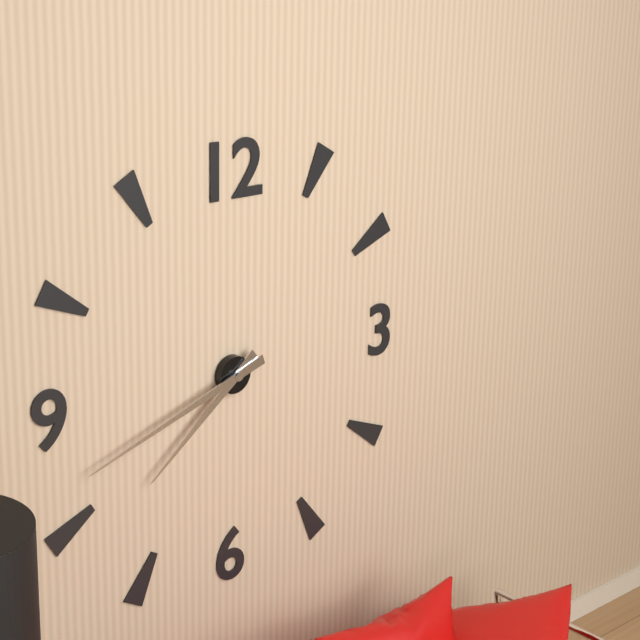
7:42
